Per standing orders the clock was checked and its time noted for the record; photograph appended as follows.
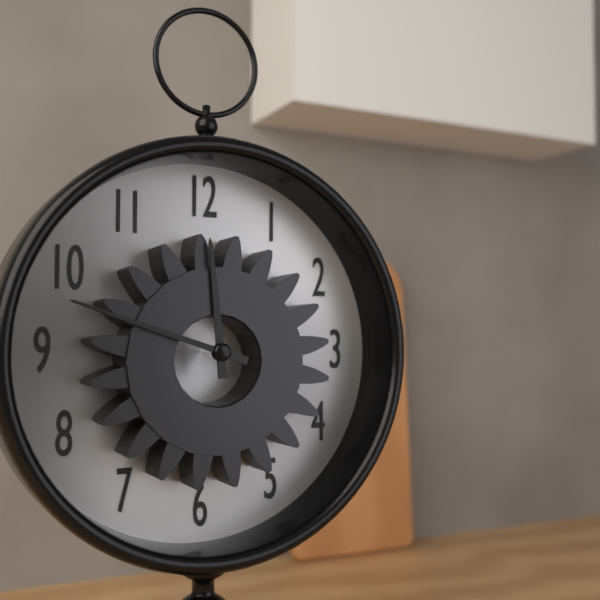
11:48
